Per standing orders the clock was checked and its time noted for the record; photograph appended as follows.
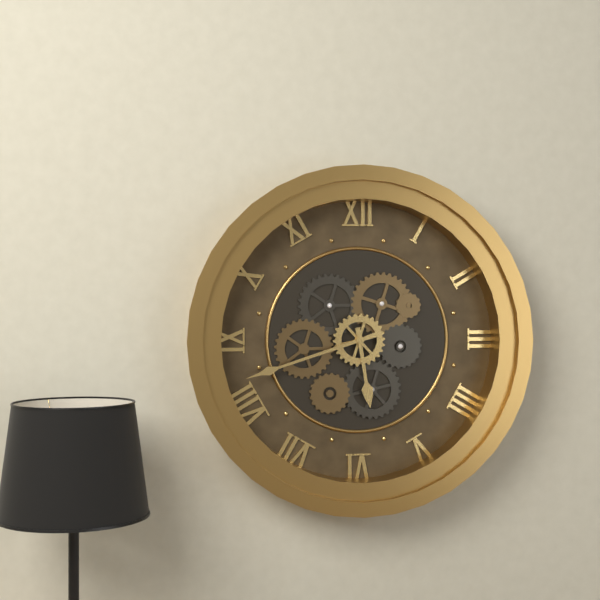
5:42
